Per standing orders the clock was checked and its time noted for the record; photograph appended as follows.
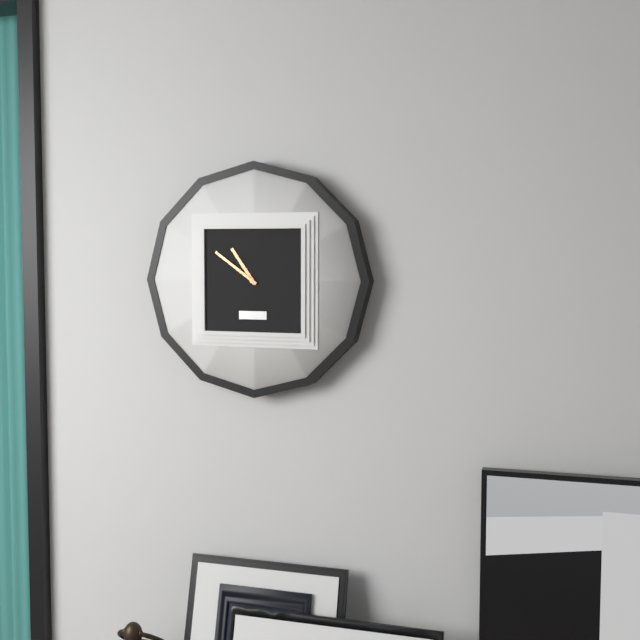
10:51
